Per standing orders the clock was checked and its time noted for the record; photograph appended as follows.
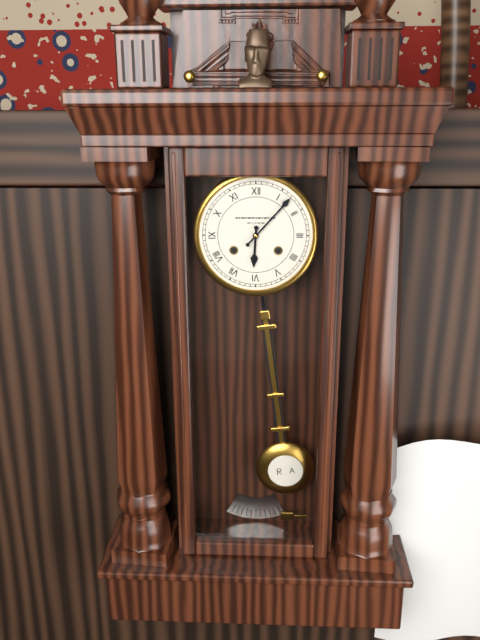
6:07
